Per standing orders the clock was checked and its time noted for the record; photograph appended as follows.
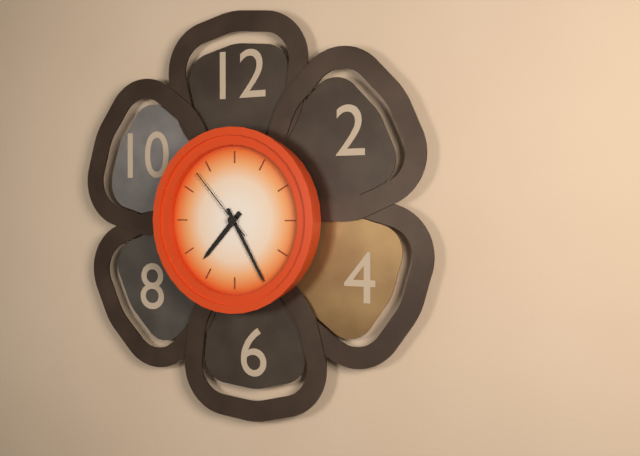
7:25:53
